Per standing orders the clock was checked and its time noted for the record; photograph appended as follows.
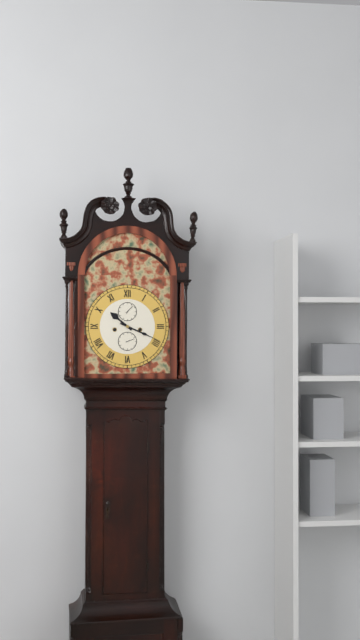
10:19
